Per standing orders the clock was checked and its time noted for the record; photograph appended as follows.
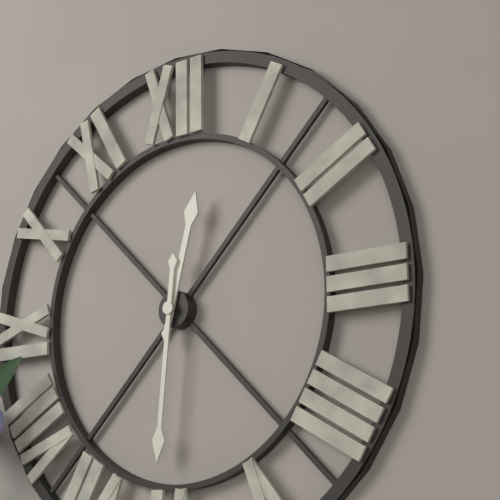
12:31
